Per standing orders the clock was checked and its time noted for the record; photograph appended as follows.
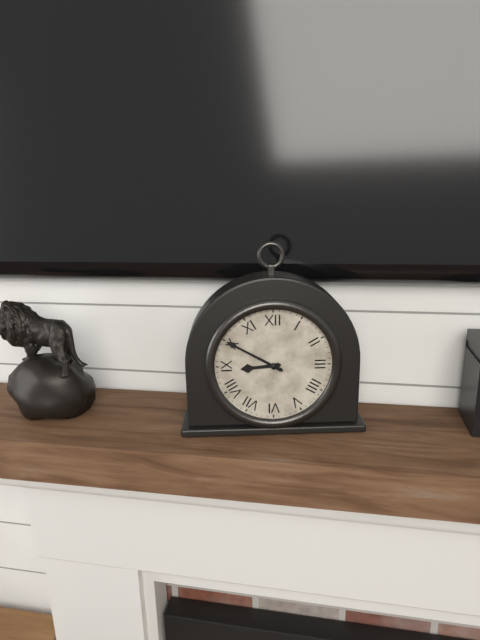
8:50
